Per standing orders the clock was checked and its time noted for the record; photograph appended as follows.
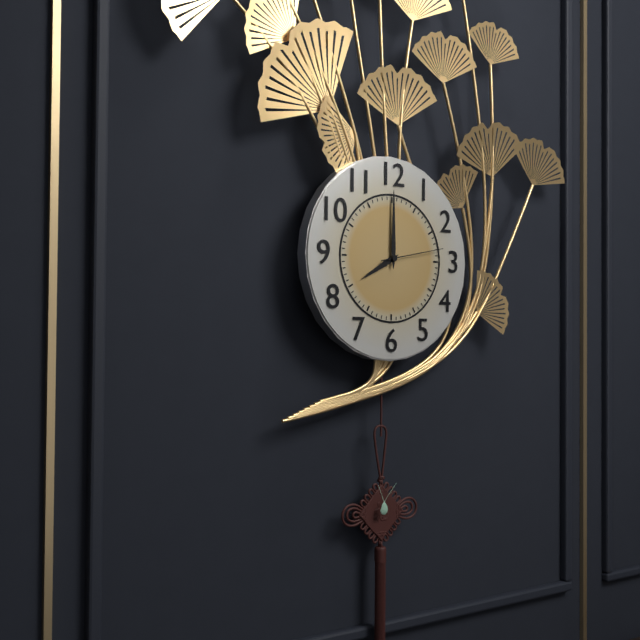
8:00:13
